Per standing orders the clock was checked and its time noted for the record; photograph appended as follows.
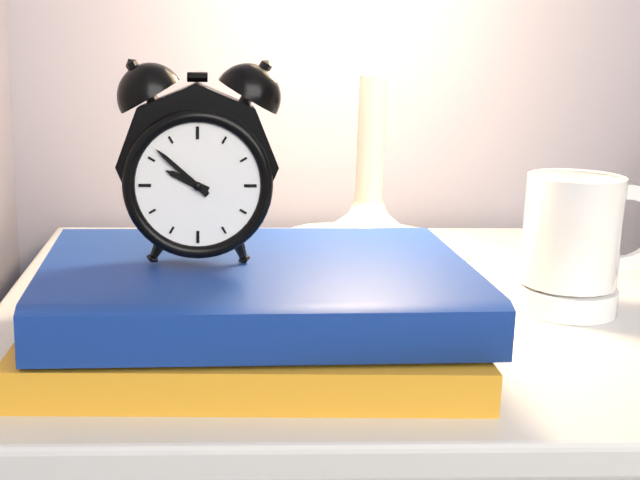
9:52
